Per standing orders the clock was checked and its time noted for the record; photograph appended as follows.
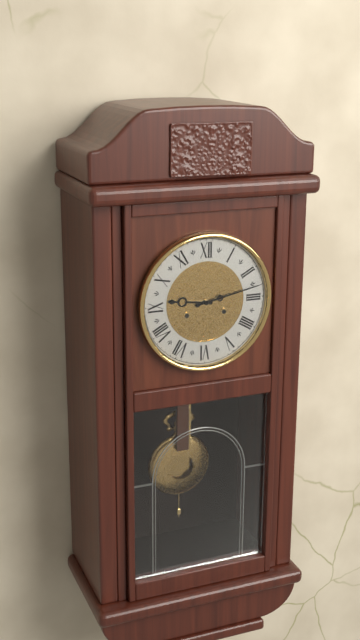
9:13
